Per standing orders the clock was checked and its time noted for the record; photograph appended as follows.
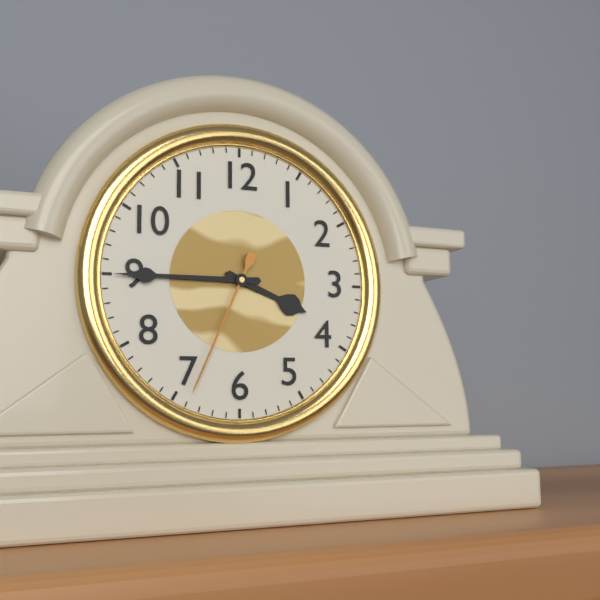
3:45:34
